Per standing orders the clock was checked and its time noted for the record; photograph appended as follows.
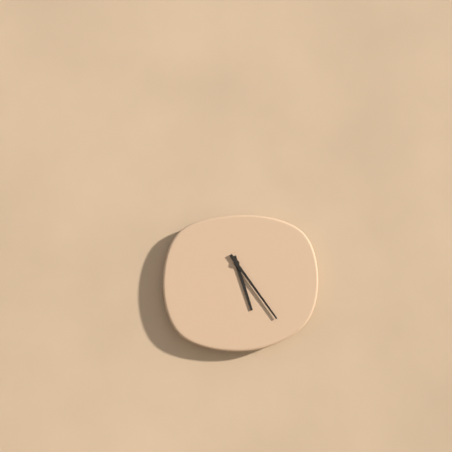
5:24
